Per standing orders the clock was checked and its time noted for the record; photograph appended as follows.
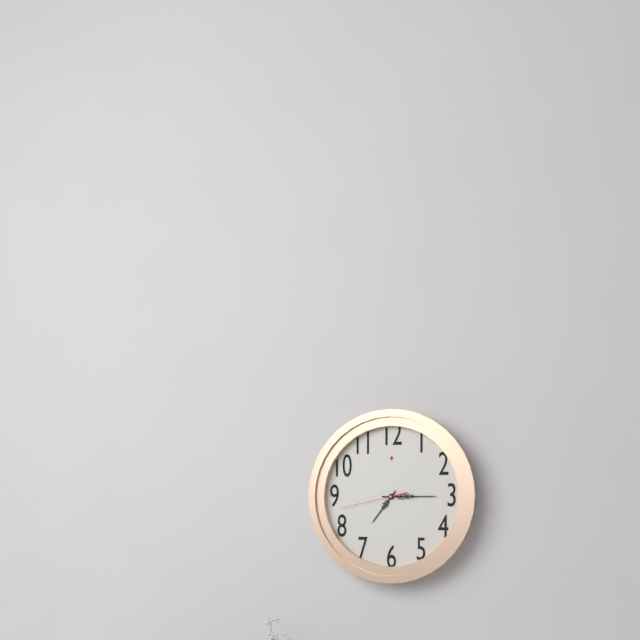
7:15:43
